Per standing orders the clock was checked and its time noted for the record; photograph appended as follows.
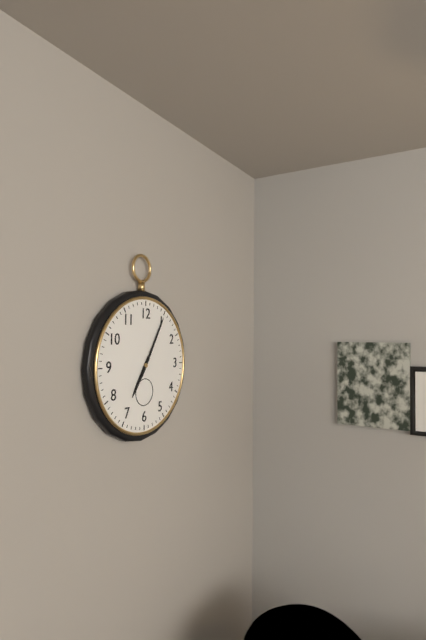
7:05
